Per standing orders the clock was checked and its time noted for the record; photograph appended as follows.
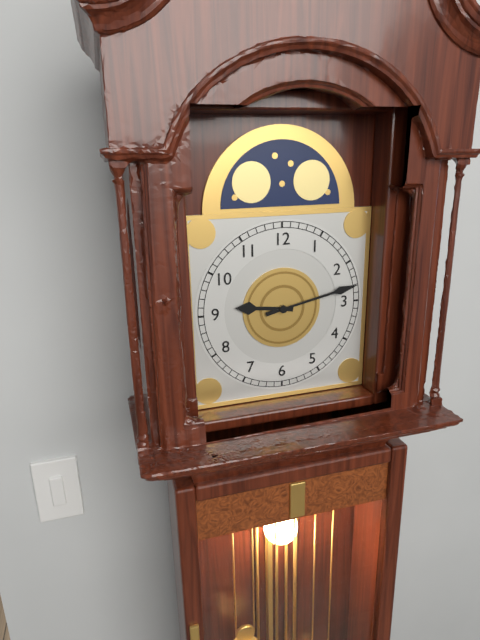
9:13
